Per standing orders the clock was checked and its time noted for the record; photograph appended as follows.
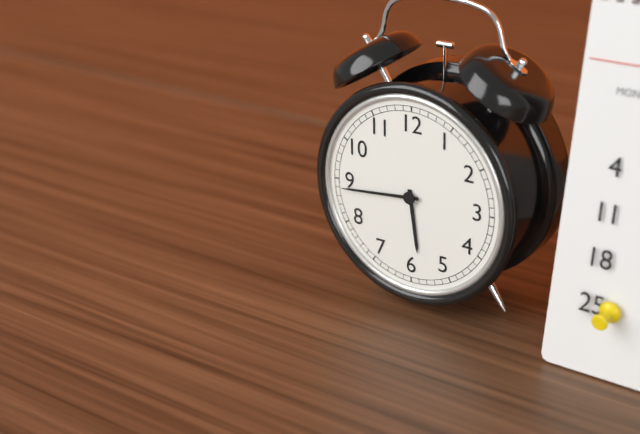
5:44
